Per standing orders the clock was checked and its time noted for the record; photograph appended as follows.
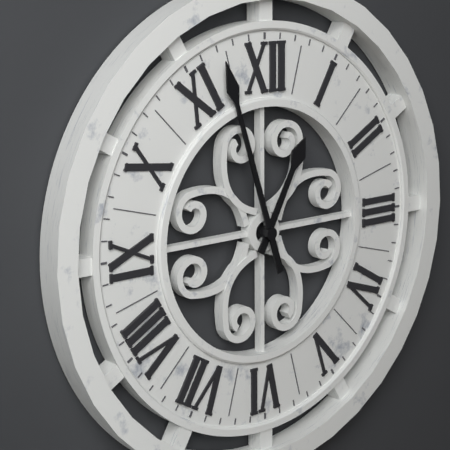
12:57
